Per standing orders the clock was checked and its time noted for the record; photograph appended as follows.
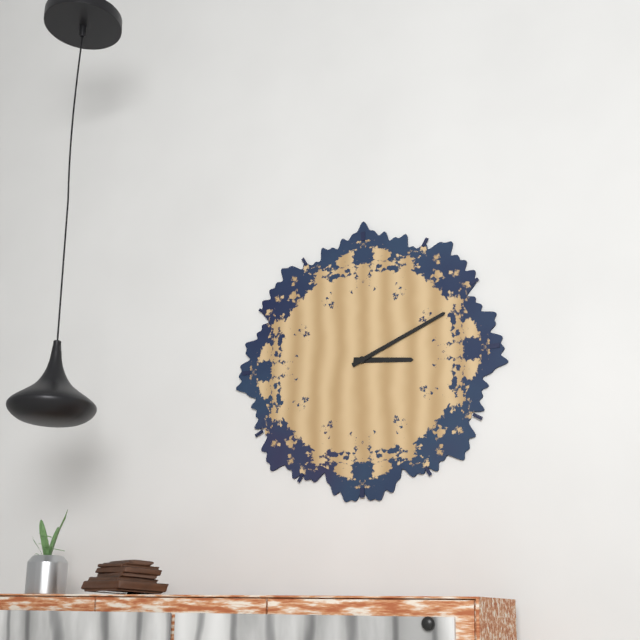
3:11
